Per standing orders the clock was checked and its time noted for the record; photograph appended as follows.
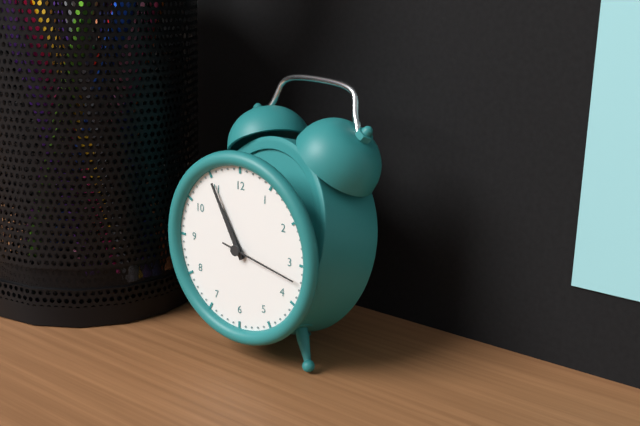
10:55:17
